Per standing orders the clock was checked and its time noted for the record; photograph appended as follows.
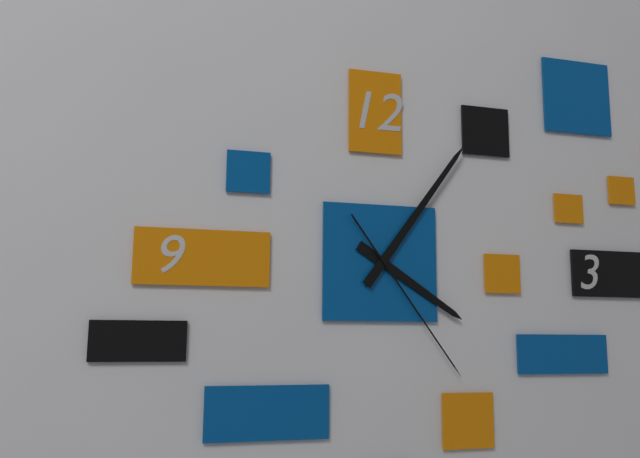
4:06:24
